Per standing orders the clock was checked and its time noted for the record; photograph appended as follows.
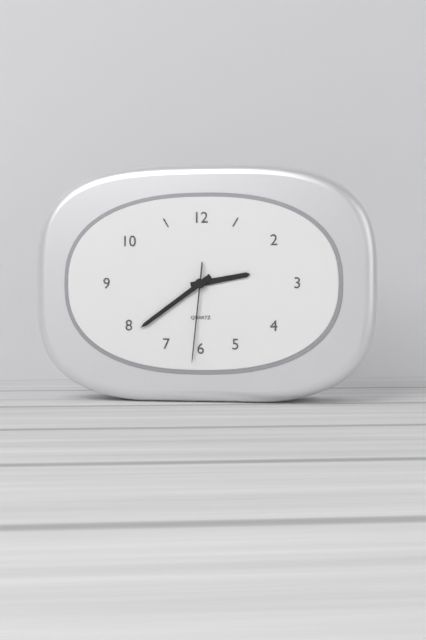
2:39:31
